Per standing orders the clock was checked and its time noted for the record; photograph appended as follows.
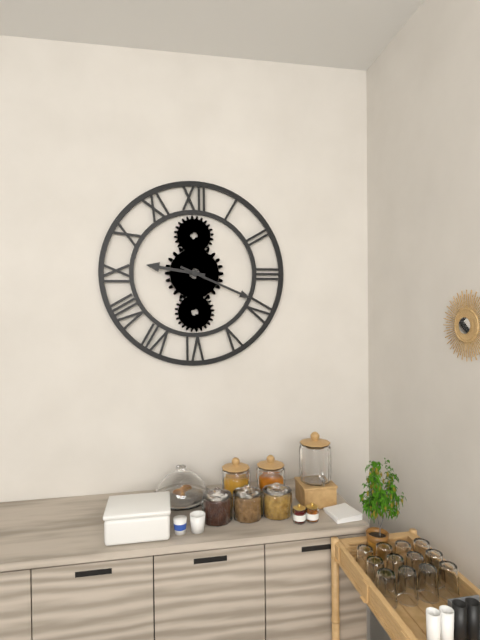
9:19
